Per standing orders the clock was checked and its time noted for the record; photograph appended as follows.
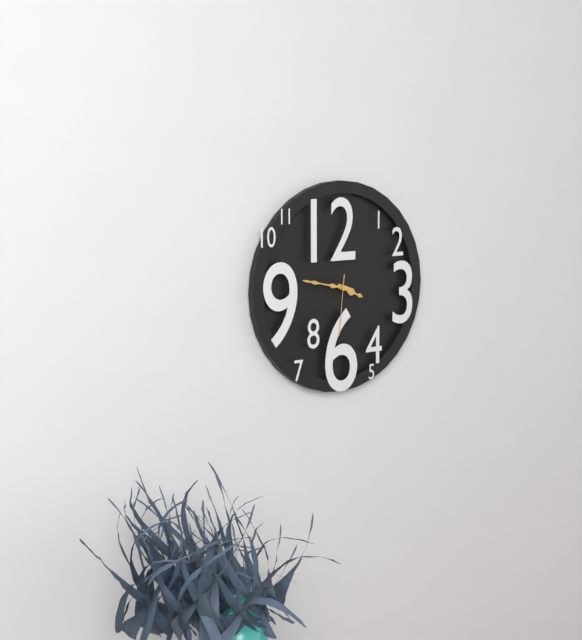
3:47:31
